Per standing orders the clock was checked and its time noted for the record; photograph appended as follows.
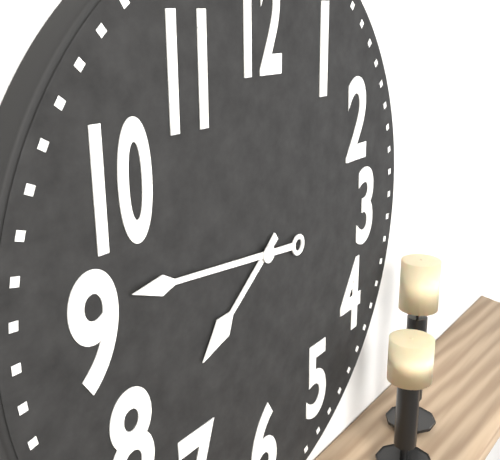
7:46
